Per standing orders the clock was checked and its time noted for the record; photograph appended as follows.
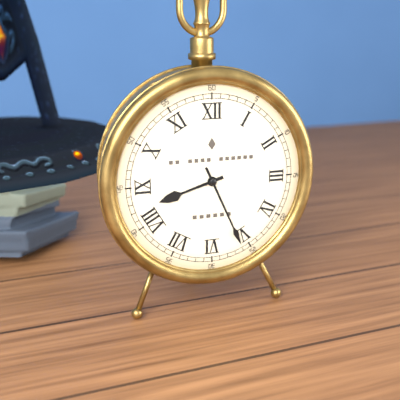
8:26
